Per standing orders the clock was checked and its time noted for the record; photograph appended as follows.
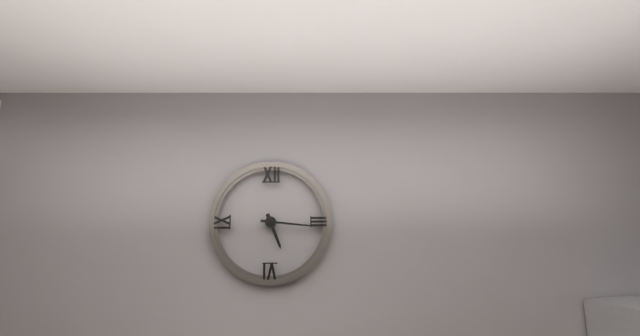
5:16
